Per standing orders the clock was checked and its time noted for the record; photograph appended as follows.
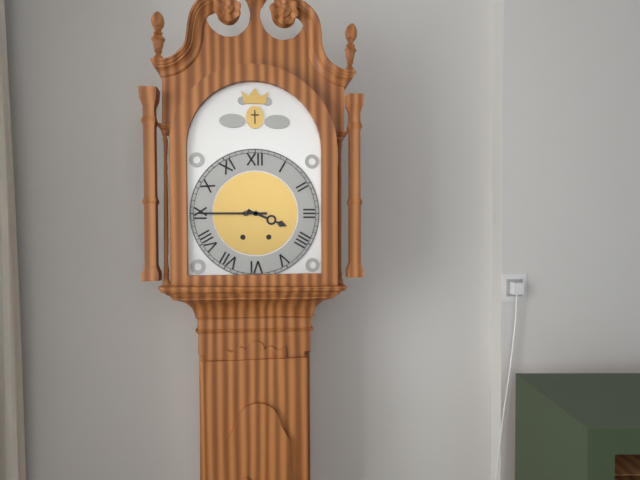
3:45
